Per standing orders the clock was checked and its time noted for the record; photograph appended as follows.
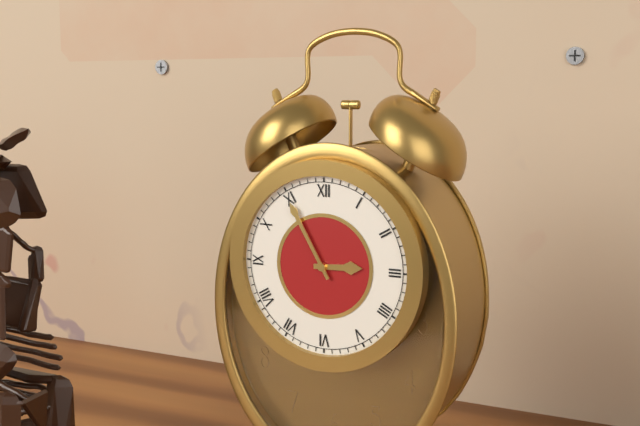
2:55
